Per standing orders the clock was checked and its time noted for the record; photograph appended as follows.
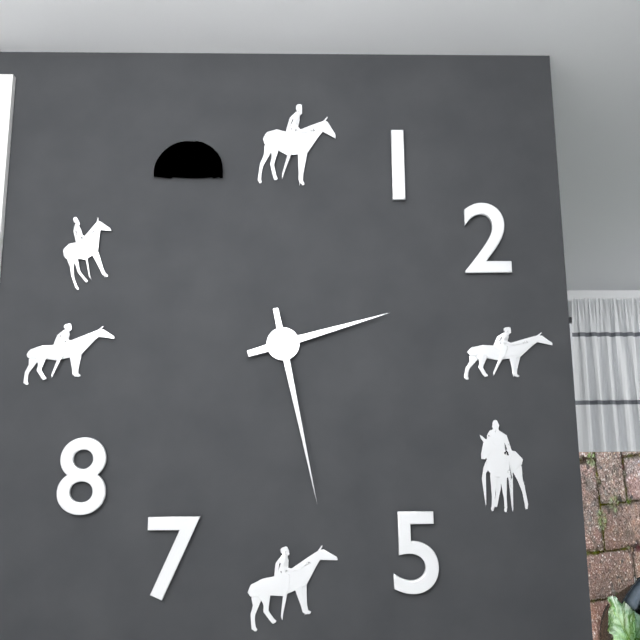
2:28
